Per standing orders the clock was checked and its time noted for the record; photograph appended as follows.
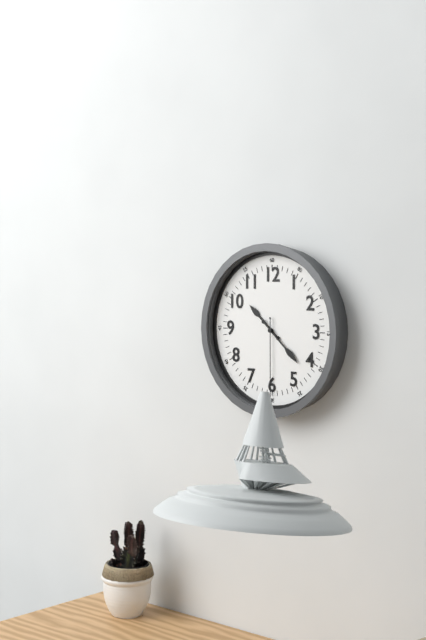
10:22:30
